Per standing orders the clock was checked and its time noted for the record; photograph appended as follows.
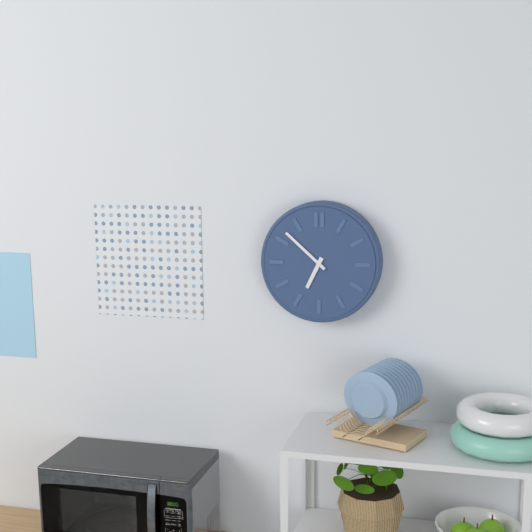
6:52
